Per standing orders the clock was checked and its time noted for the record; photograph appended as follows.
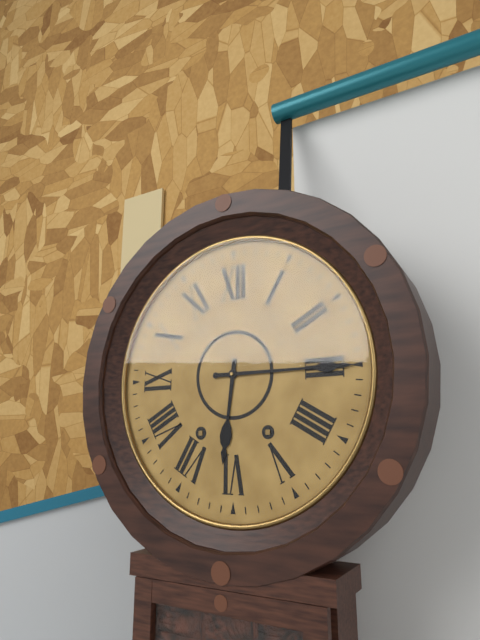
6:15
